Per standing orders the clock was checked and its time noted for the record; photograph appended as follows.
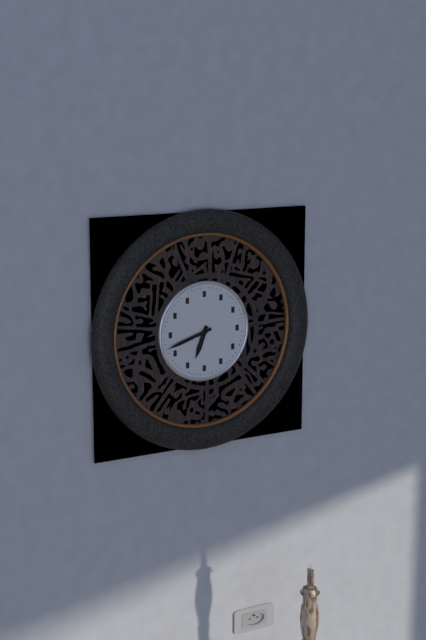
6:42
